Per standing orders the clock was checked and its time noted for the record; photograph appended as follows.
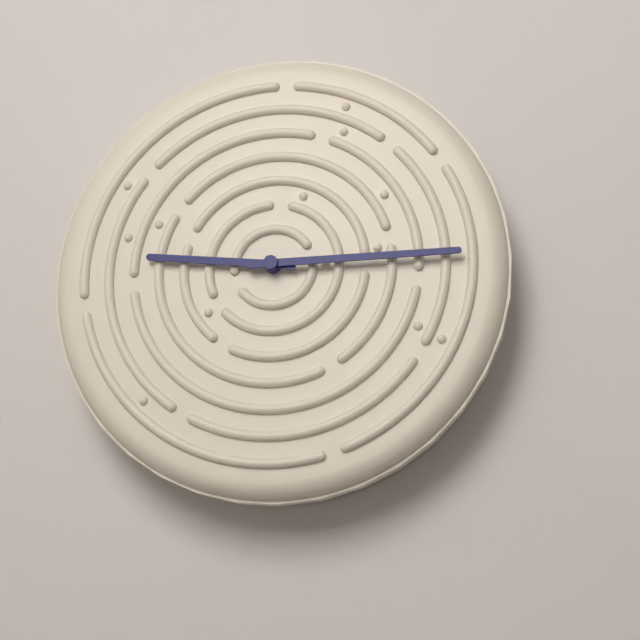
9:15
